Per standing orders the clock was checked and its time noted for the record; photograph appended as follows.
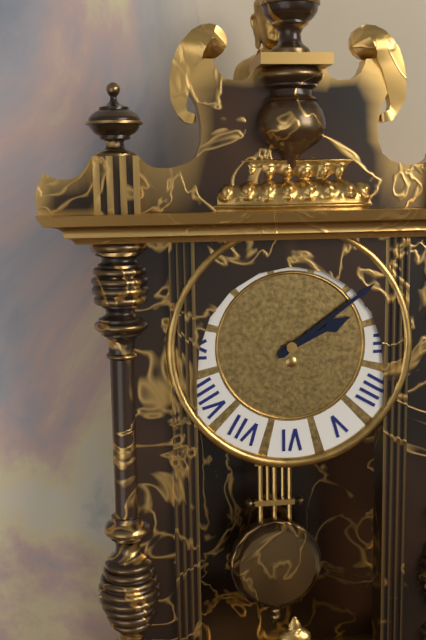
2:09
